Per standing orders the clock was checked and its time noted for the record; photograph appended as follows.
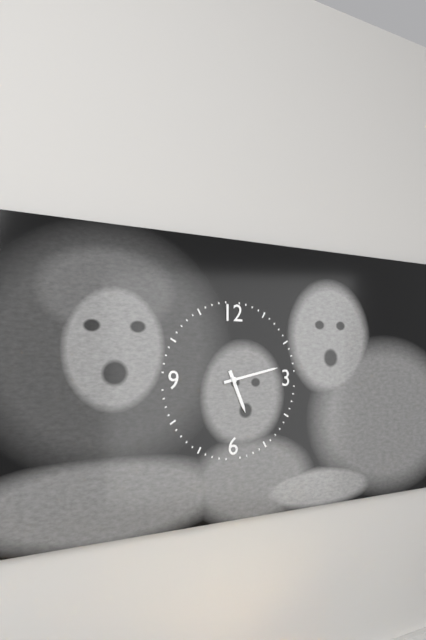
5:13
